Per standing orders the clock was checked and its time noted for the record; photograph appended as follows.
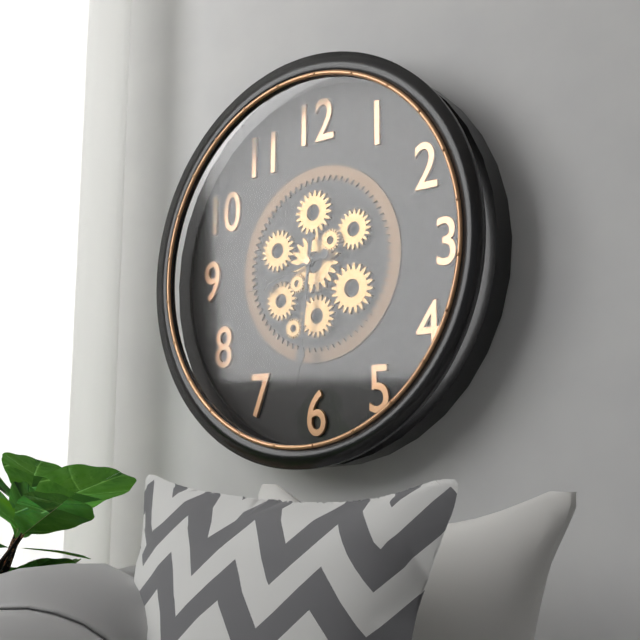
8:31
